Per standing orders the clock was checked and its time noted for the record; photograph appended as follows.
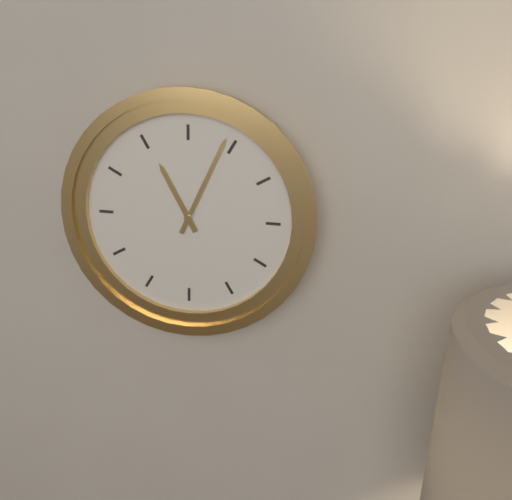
11:04
